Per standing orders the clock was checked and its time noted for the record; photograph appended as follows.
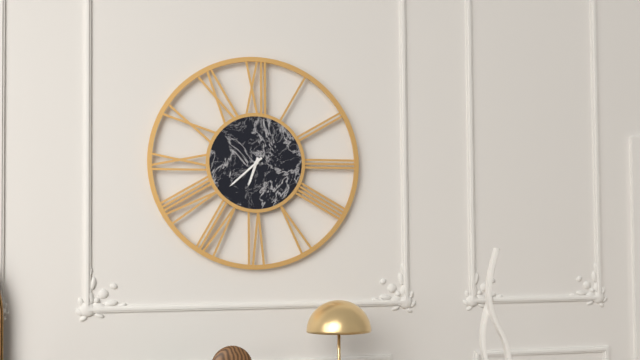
6:38
